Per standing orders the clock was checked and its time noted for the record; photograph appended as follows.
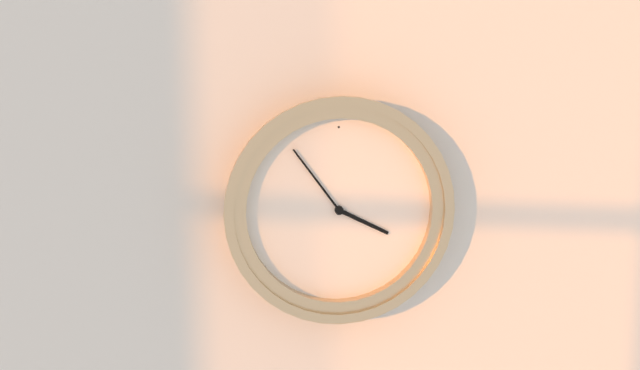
3:54
